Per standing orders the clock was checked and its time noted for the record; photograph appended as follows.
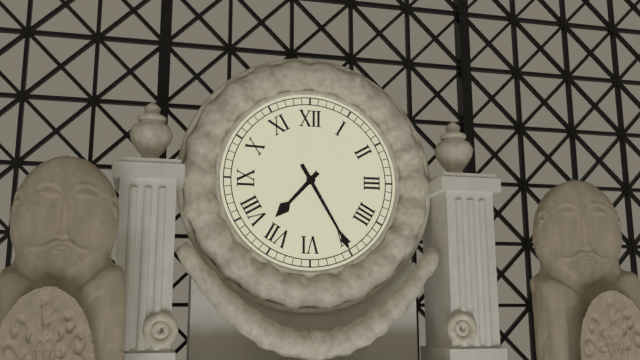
7:25
